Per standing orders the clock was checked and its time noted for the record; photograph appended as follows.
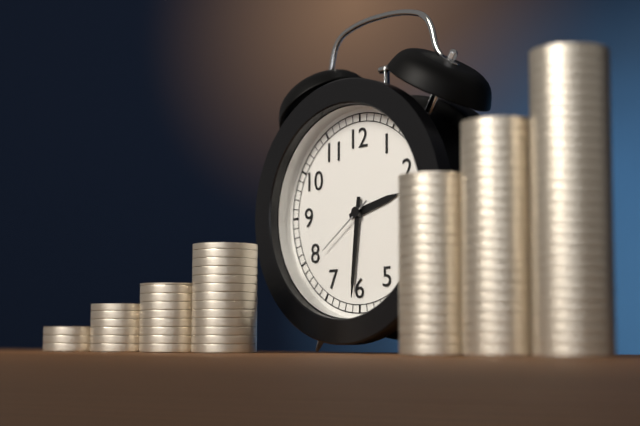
2:31:39
